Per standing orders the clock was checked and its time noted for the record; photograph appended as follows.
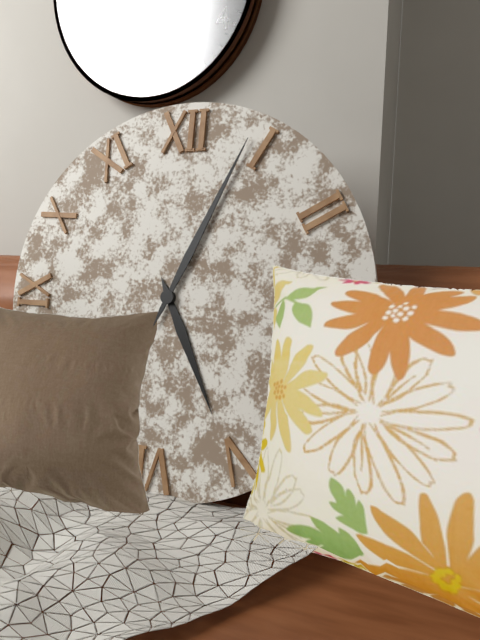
5:04
